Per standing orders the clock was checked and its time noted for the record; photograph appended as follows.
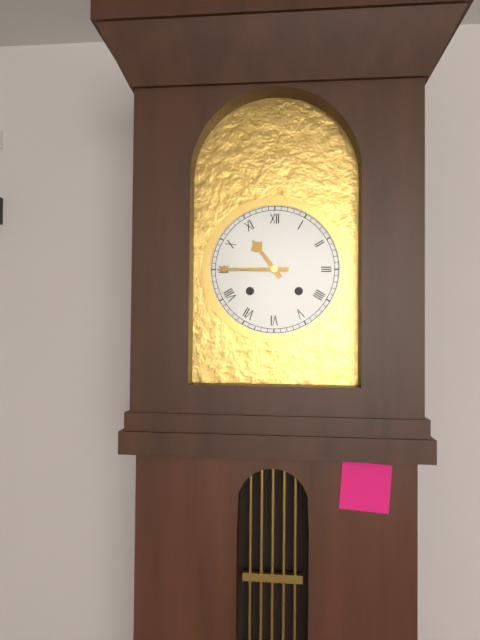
10:45
